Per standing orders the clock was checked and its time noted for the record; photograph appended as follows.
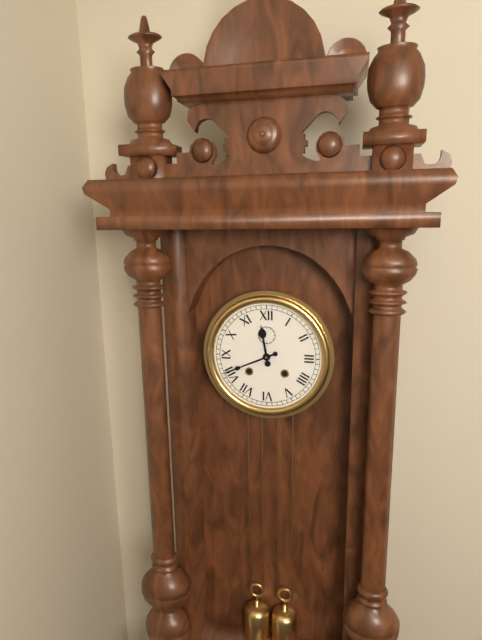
11:41
